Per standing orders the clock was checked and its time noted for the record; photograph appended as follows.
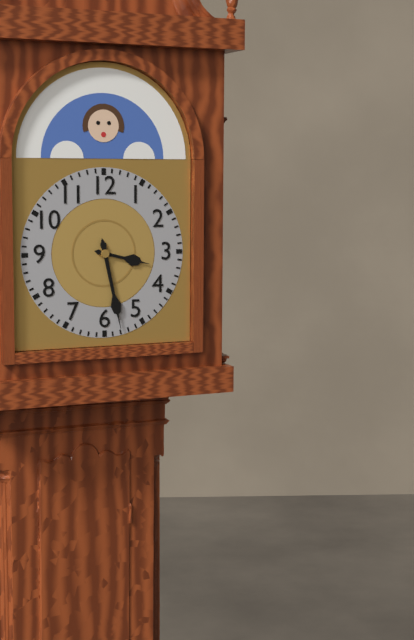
3:28
